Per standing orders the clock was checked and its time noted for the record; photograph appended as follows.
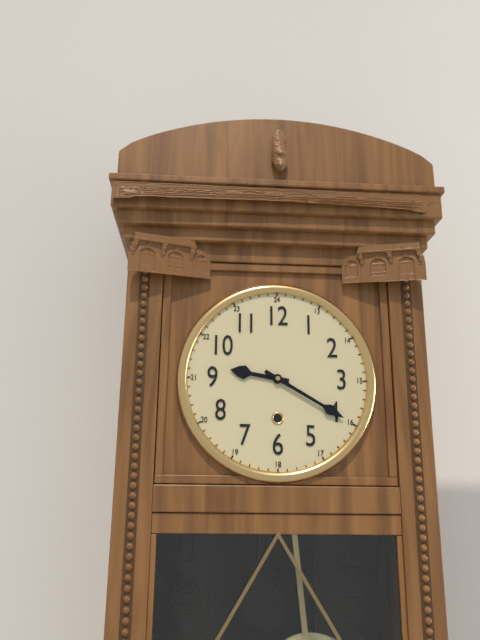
9:20
